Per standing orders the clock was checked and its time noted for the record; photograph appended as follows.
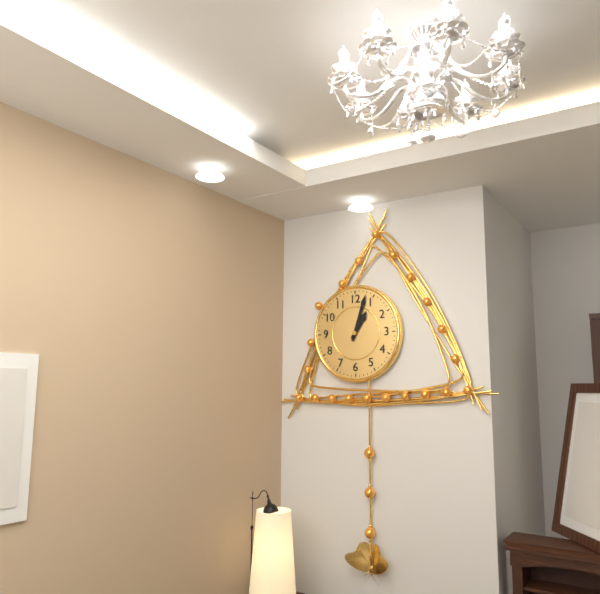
1:03
